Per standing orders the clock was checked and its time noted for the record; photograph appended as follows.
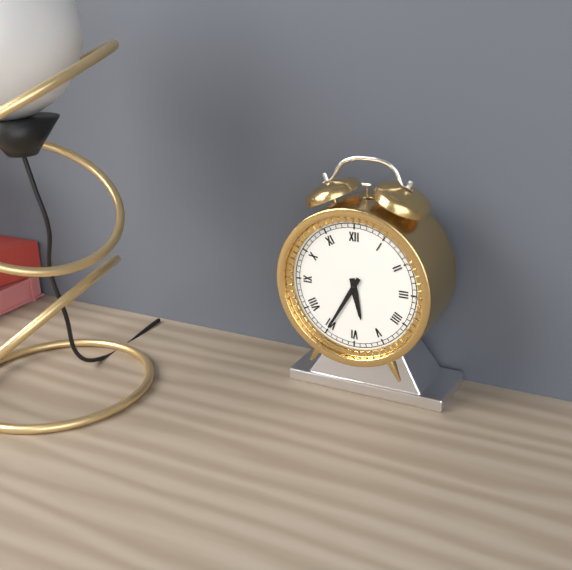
5:35
